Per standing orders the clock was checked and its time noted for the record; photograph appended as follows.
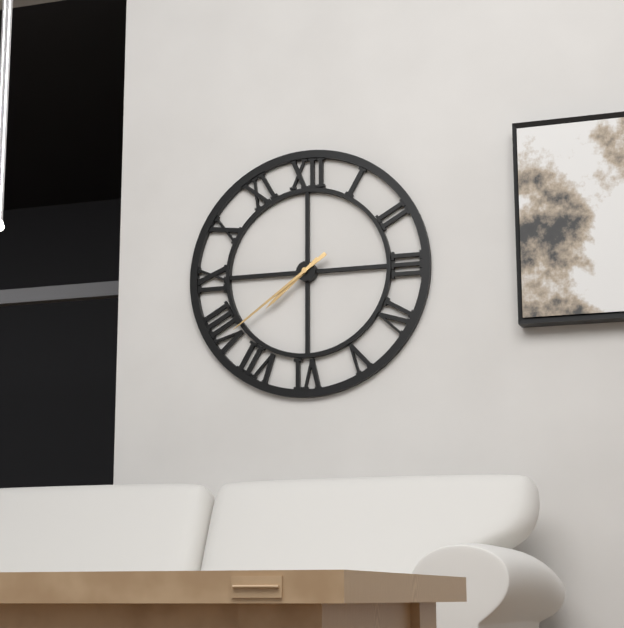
7:39
